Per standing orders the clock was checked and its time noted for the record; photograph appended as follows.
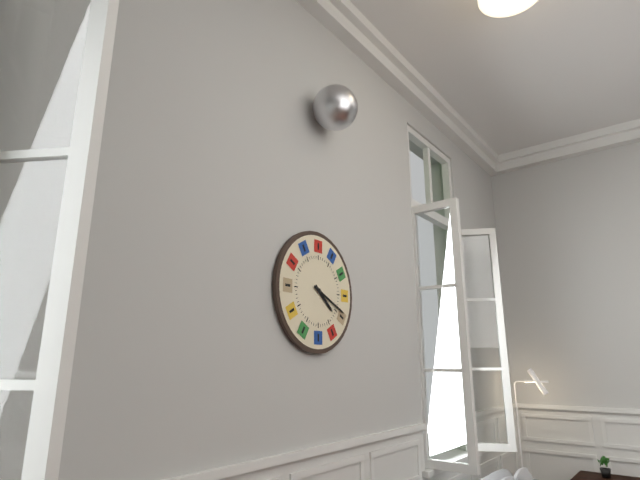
4:19
